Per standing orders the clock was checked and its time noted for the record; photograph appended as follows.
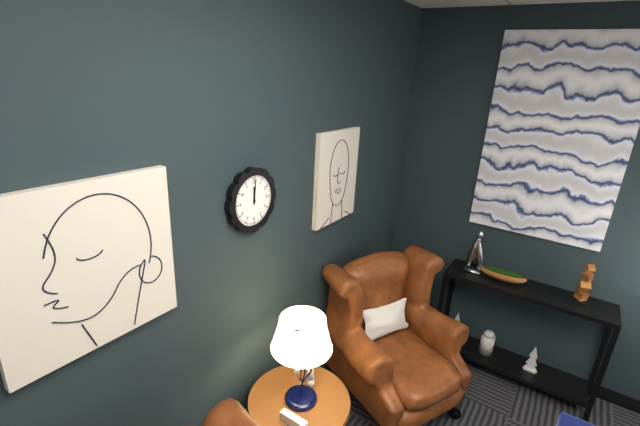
12:01
